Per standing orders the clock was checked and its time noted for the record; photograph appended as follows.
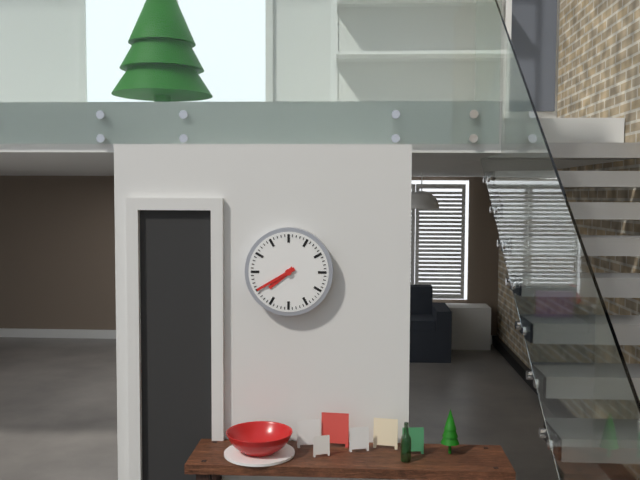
7:40
